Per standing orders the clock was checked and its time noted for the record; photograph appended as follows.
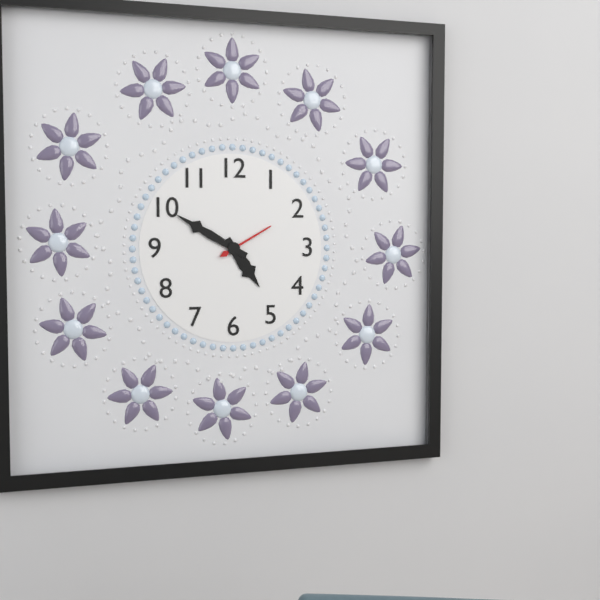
4:50:10
